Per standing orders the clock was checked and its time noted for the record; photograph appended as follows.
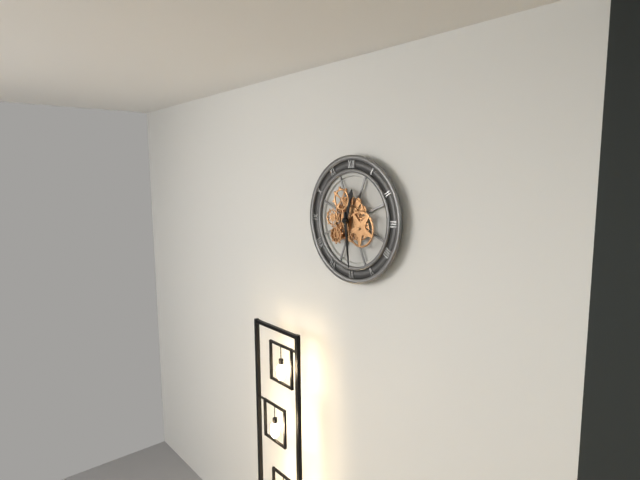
12:29
